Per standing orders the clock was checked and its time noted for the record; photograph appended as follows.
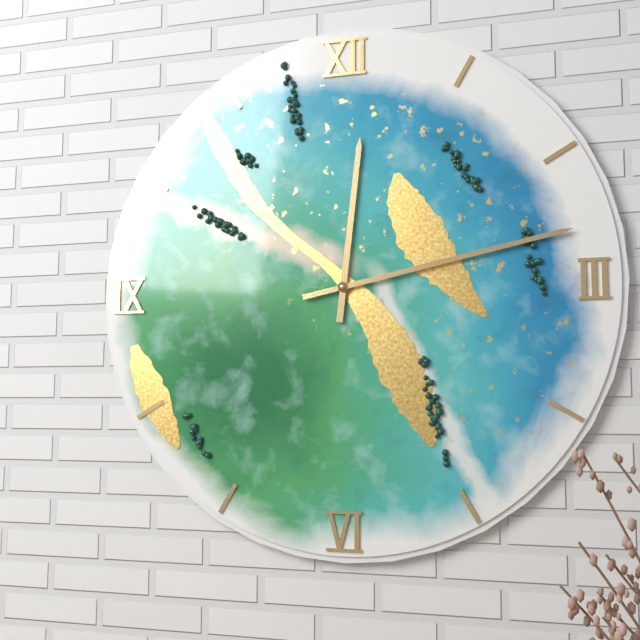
12:13
